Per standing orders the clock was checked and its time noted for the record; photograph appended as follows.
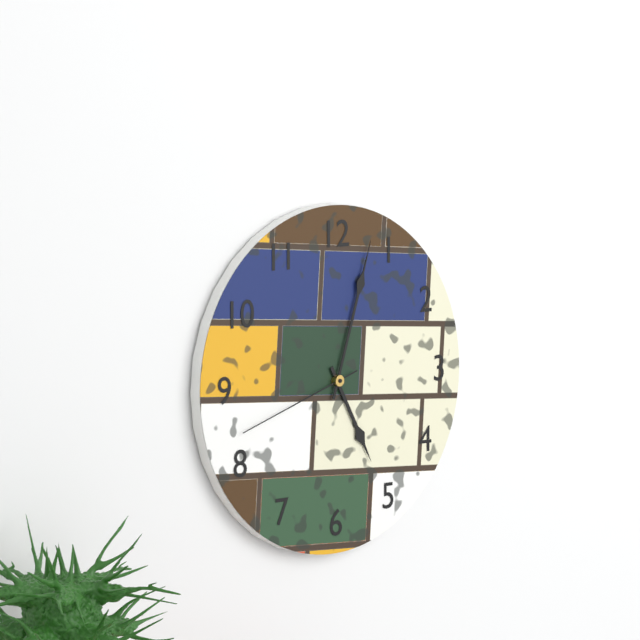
5:03:42
